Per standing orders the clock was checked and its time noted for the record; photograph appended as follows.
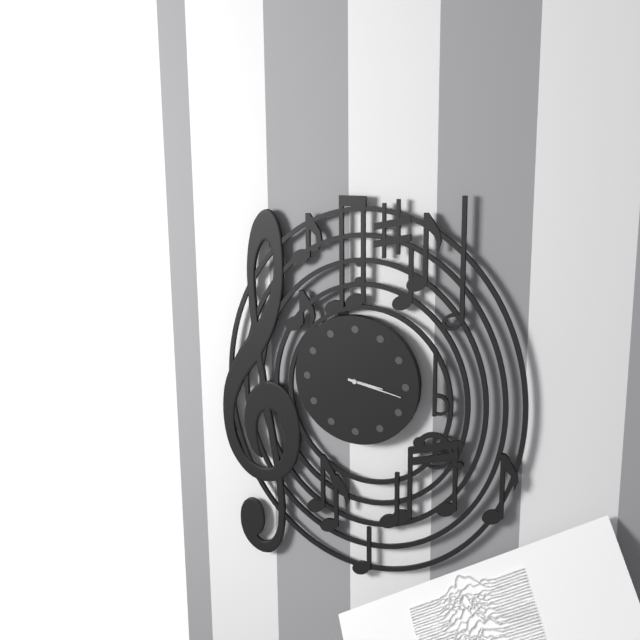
3:17
